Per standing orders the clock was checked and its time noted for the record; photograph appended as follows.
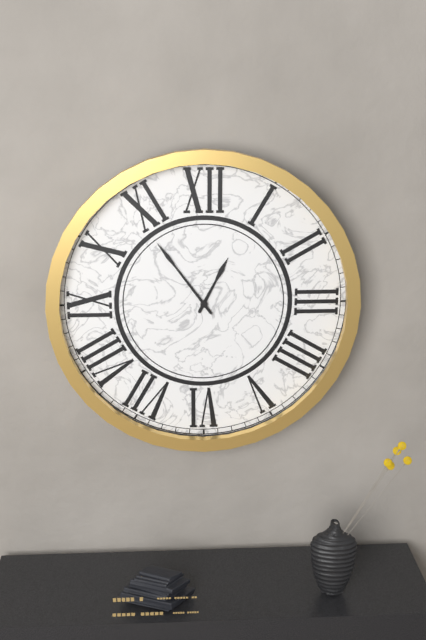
12:54
